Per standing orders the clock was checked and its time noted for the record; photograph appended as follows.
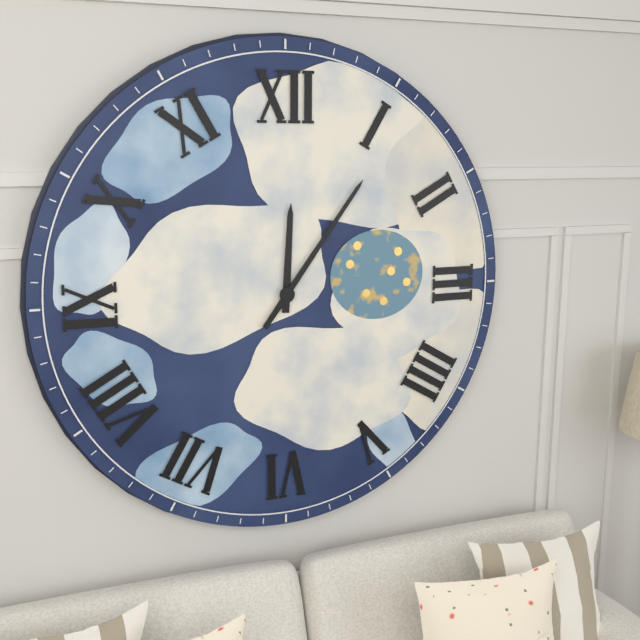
12:06
